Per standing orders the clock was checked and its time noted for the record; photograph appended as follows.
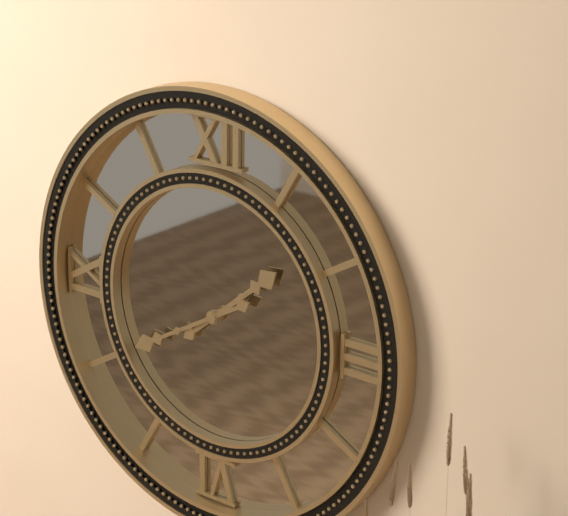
1:40
